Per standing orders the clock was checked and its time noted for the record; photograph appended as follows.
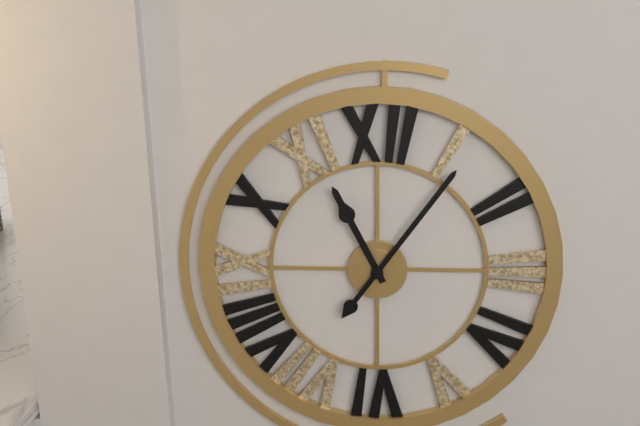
11:06
